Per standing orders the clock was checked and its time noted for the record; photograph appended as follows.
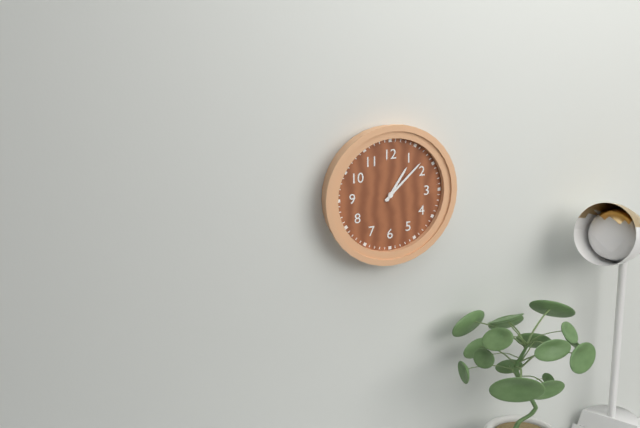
1:08
